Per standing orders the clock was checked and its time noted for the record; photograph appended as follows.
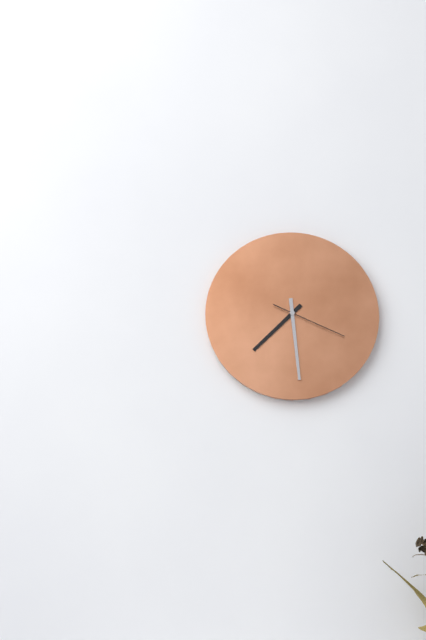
7:29:19
